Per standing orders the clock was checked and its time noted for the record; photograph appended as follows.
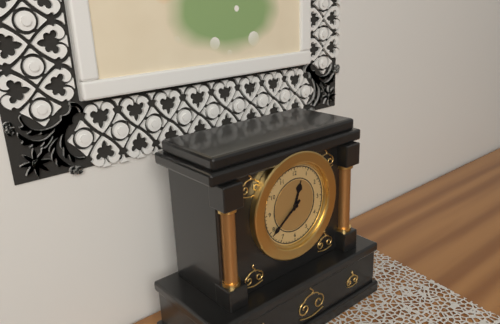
12:39
